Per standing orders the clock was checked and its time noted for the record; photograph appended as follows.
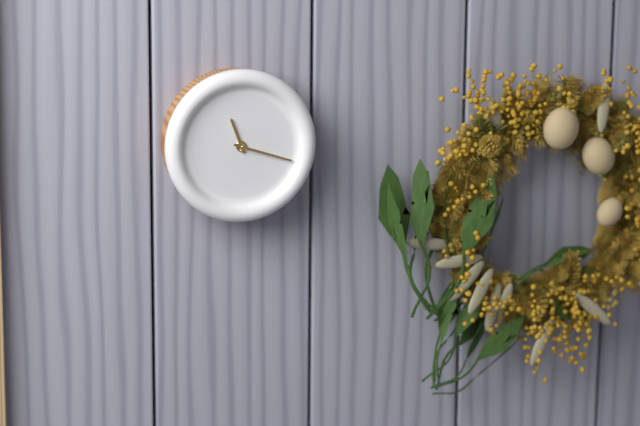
11:18
